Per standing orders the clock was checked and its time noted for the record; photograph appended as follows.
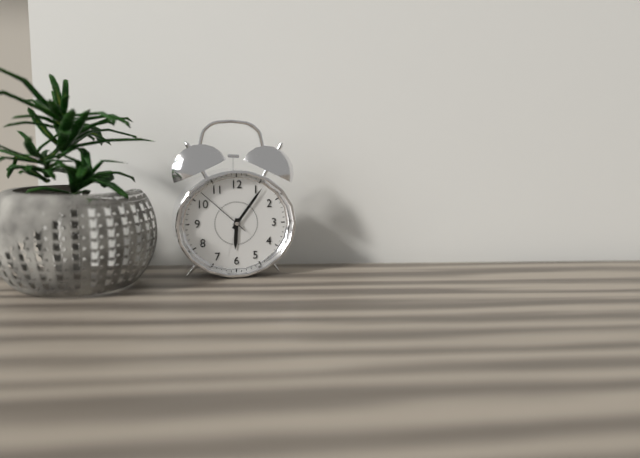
6:06:52
